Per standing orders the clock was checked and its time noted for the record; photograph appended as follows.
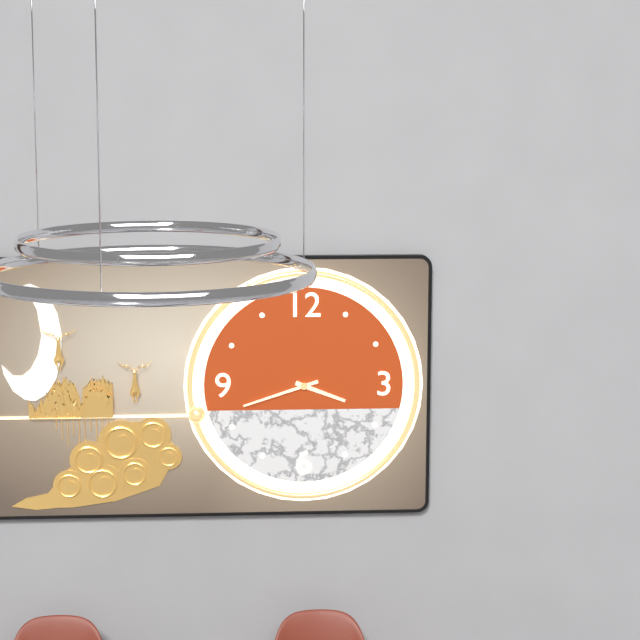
3:42
